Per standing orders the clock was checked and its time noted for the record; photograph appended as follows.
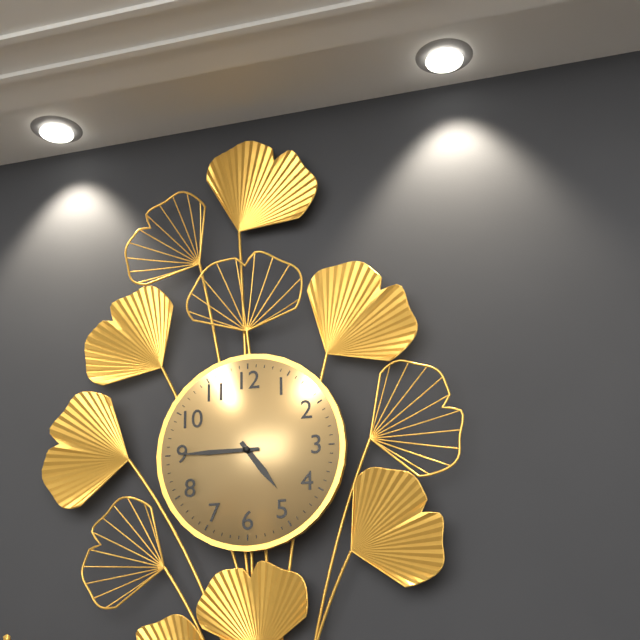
4:45
